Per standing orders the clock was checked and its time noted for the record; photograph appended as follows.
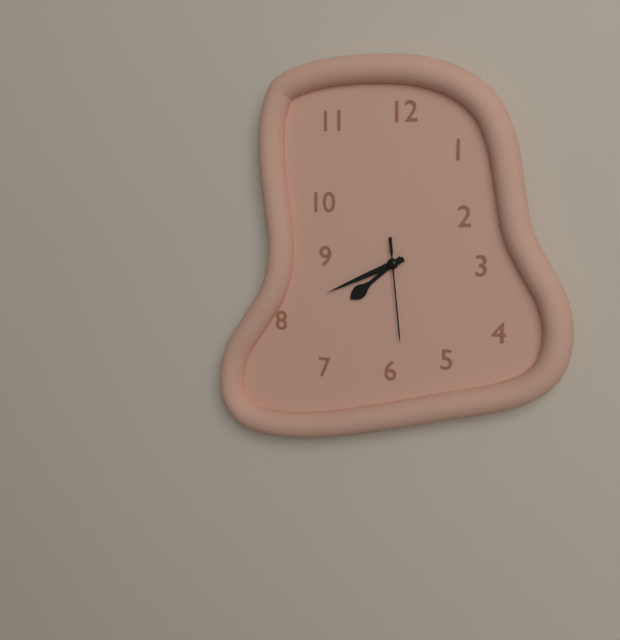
7:41:29
